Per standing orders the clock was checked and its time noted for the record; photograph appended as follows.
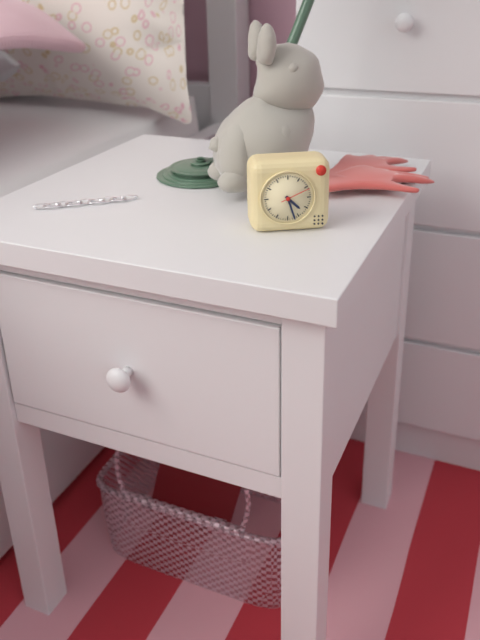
4:27
